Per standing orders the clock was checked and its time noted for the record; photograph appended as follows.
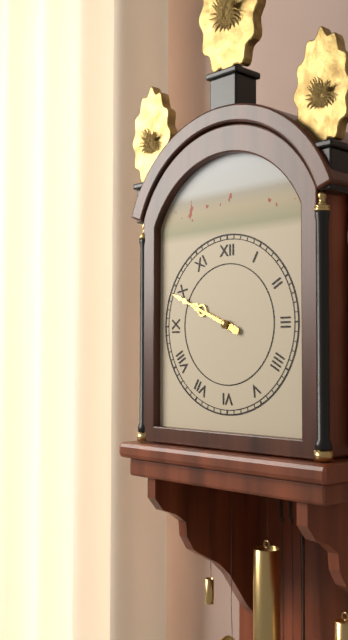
9:49
